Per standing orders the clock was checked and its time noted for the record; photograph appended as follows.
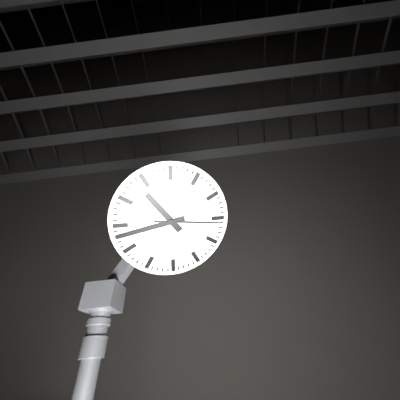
10:43:16
